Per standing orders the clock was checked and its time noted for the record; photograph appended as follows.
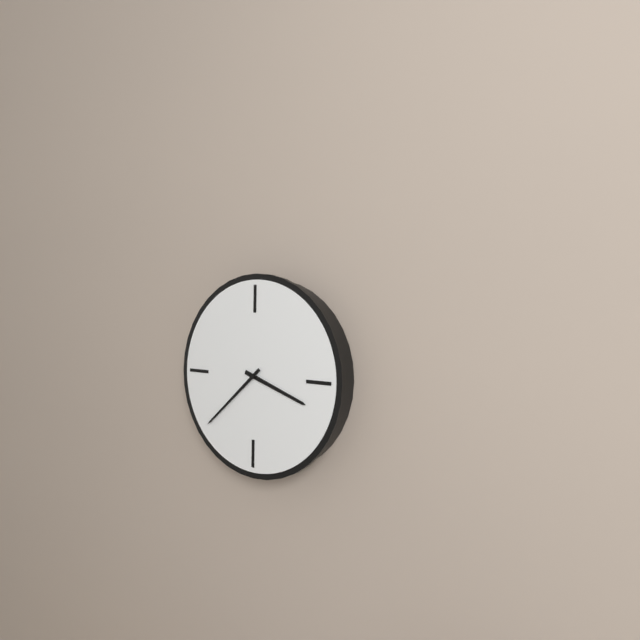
3:38
